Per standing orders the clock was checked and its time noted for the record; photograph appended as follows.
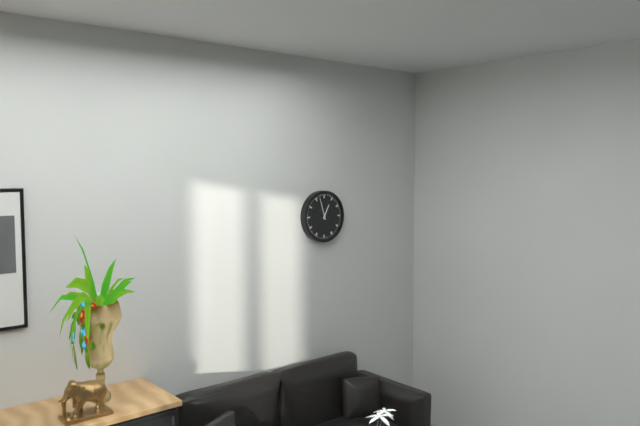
12:57
